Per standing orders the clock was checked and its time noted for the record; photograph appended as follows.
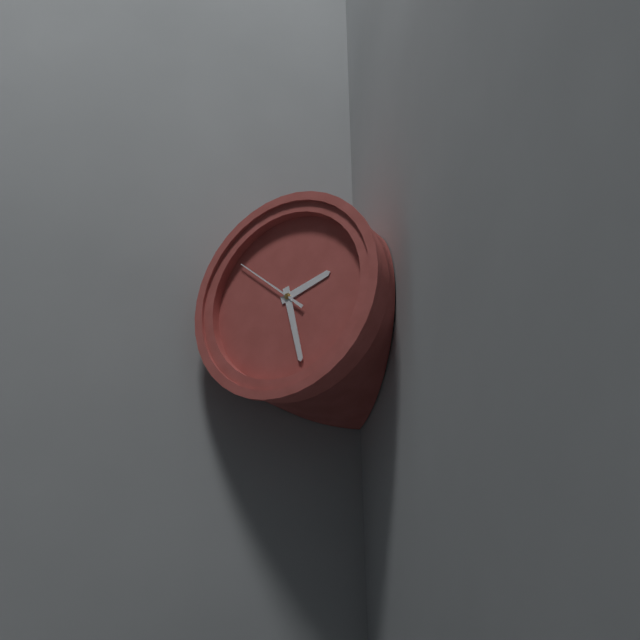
2:28:52
